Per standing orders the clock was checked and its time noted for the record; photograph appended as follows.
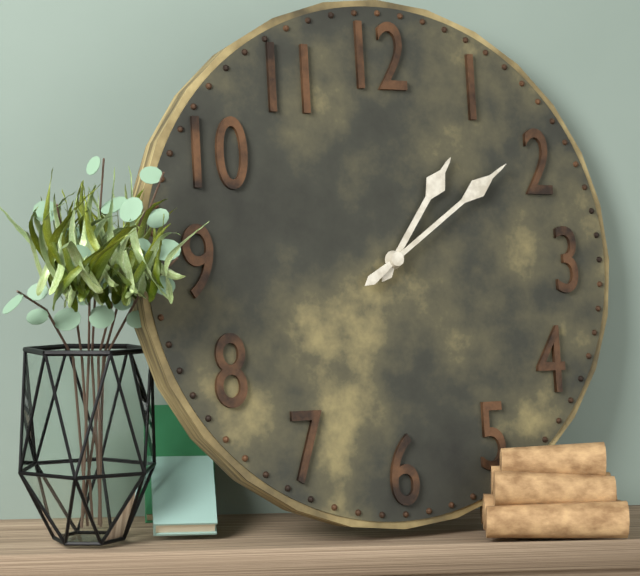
1:09
